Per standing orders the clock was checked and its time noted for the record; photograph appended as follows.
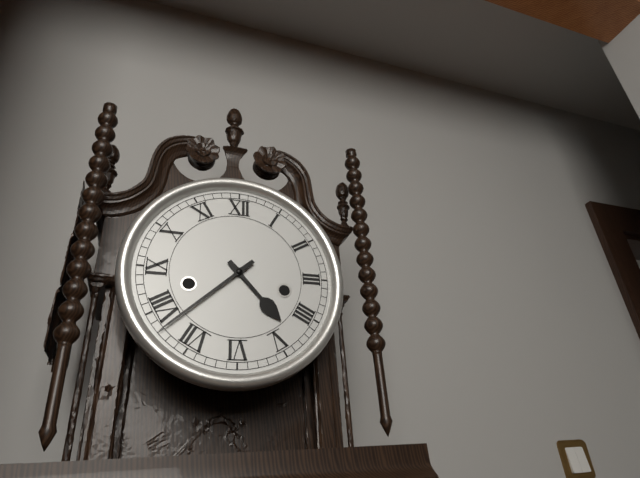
4:38
